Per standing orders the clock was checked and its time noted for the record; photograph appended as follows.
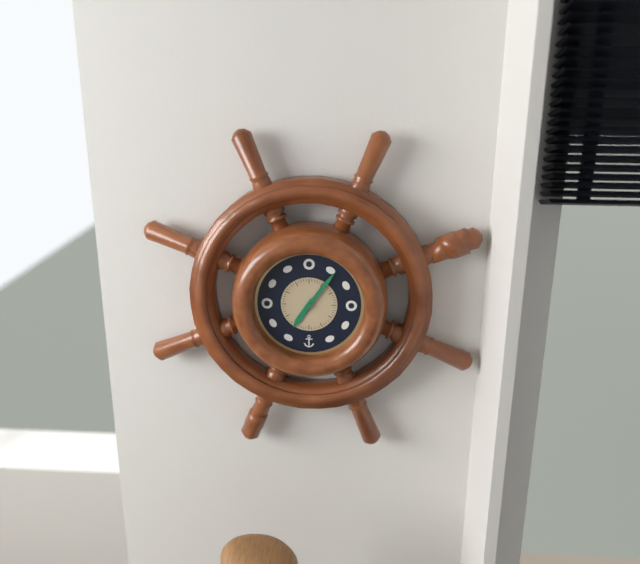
7:06
